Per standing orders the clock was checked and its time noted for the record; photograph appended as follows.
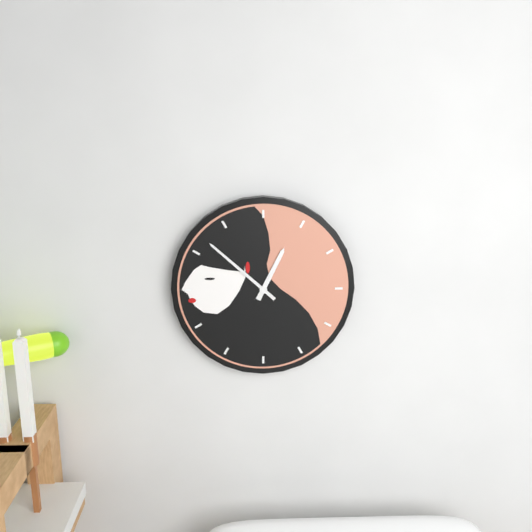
12:52
